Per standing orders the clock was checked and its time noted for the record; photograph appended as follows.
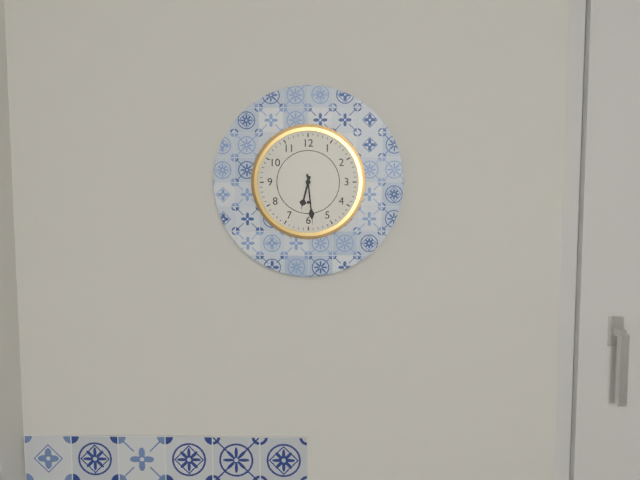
6:29
